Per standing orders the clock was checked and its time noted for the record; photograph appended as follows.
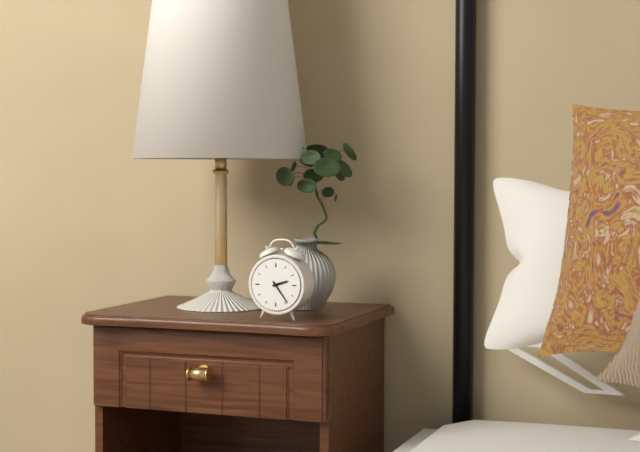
2:24
